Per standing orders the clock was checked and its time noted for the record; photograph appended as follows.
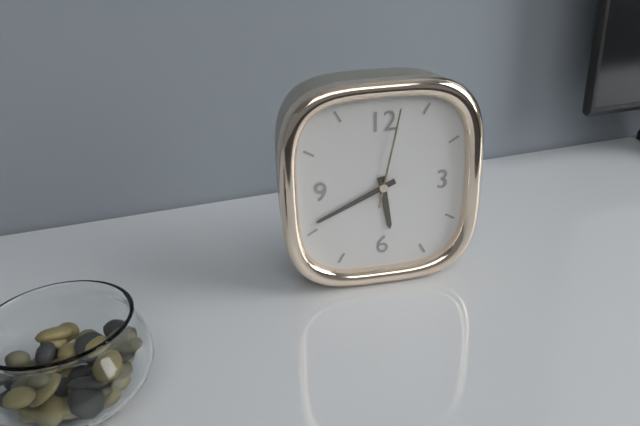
5:41:02
